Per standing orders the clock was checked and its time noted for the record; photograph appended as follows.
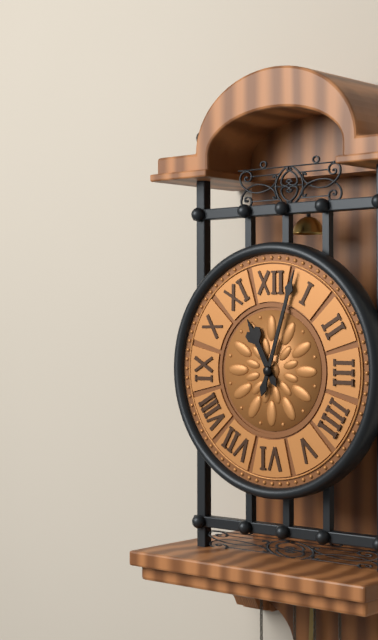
11:03
